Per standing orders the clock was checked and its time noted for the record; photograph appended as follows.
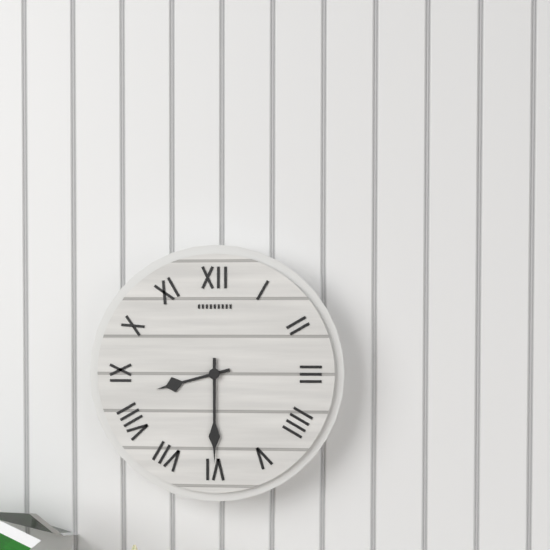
8:30
